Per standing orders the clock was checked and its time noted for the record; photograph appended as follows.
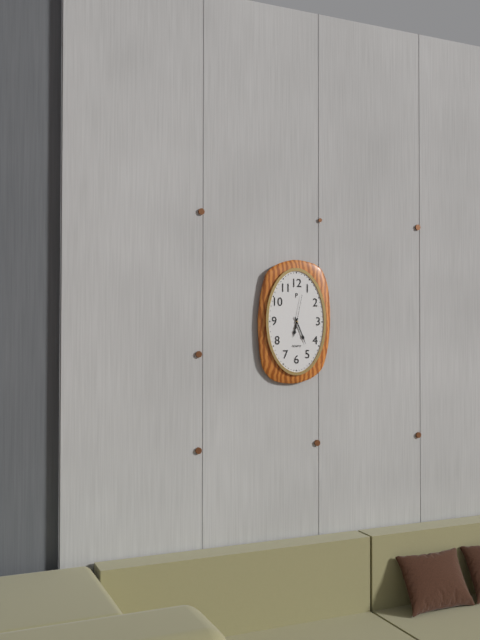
6:26
